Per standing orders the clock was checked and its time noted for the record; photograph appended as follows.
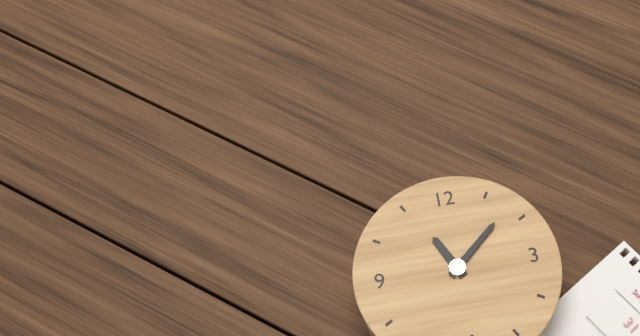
11:08
